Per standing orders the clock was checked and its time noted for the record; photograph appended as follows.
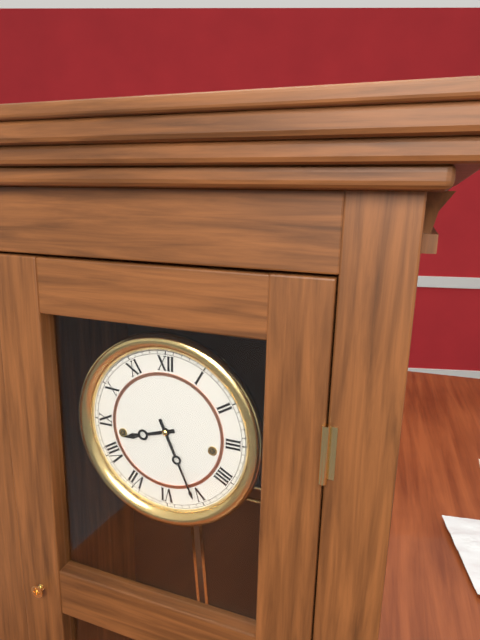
8:26
